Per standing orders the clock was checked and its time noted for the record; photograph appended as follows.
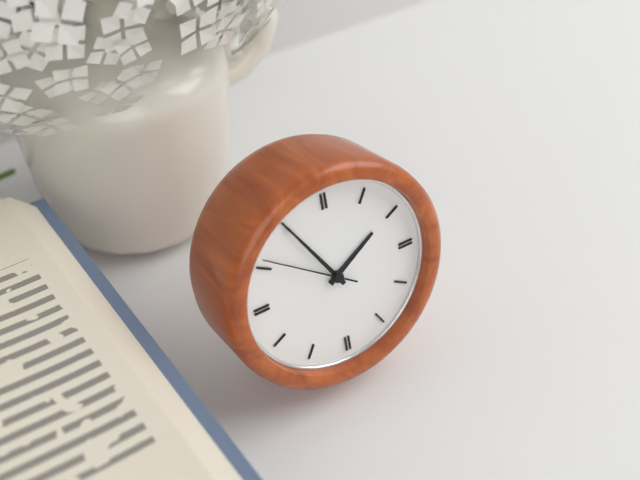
1:55:51
